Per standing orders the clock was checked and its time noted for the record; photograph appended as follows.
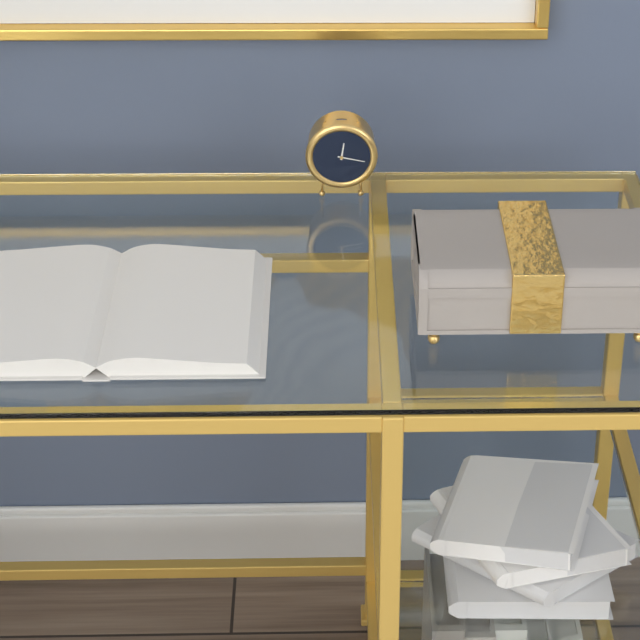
12:17
